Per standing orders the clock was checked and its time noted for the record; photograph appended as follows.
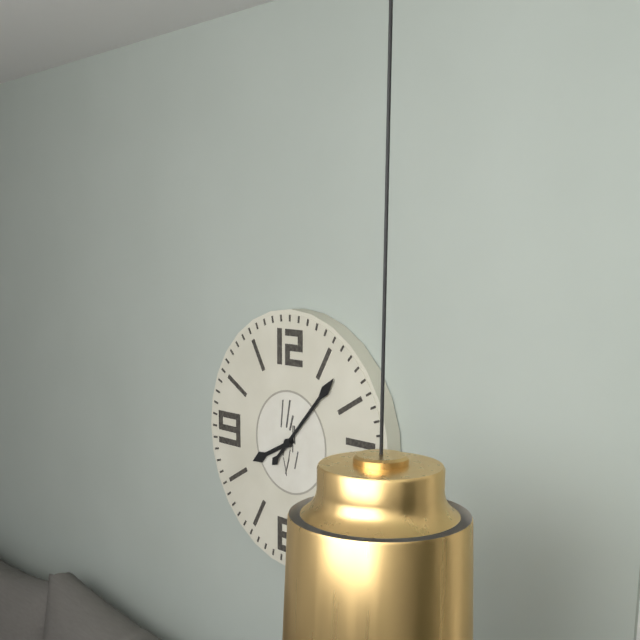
8:07
